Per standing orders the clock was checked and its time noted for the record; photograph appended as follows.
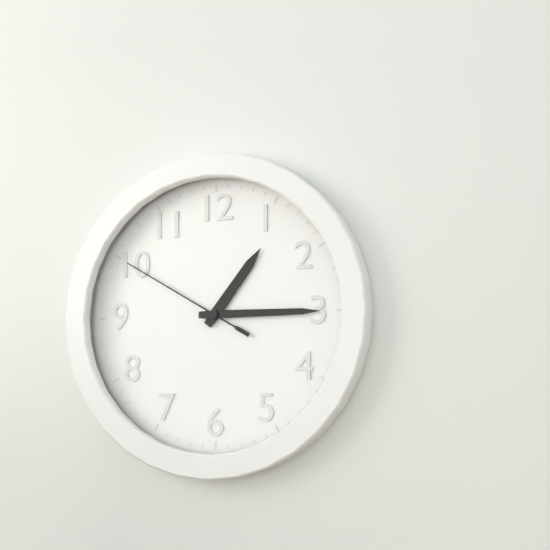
1:15:50
